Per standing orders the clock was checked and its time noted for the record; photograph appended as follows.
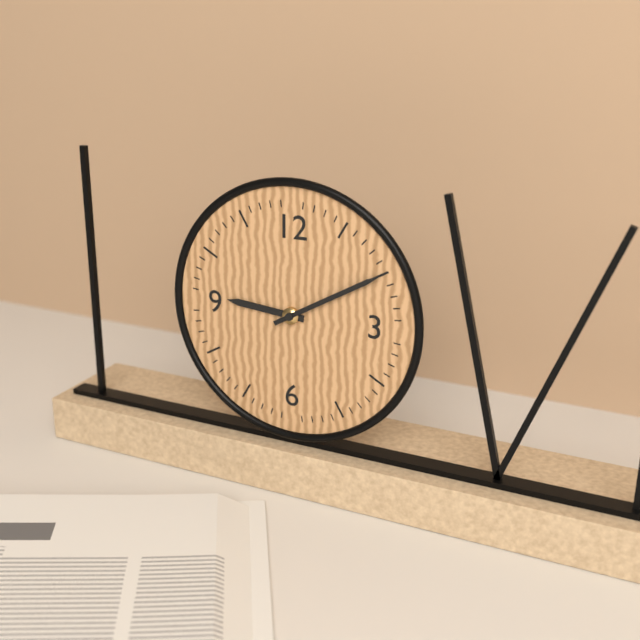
9:10
